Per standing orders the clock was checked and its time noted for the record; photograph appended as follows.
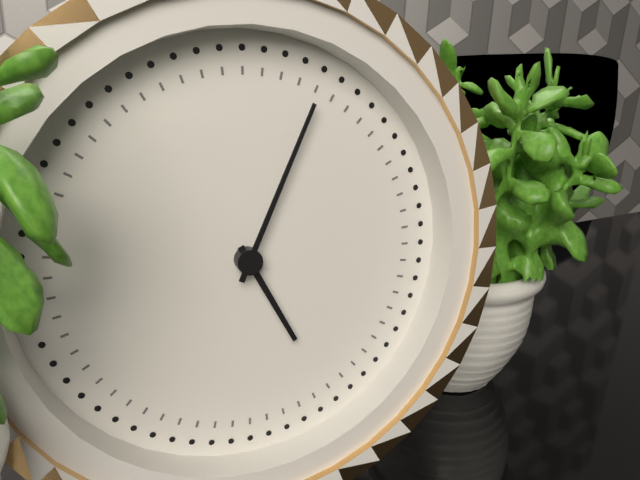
5:04
